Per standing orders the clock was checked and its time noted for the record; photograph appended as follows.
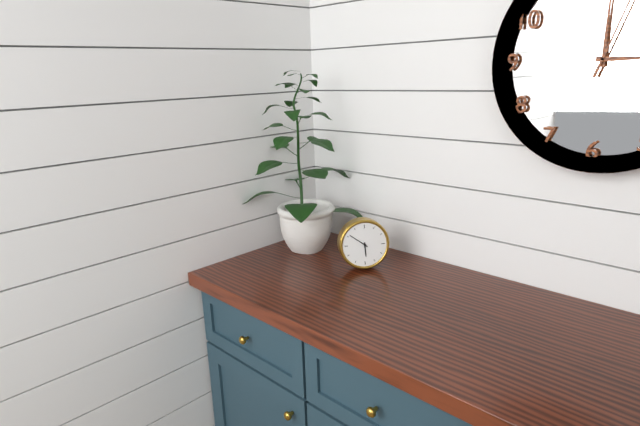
5:51
